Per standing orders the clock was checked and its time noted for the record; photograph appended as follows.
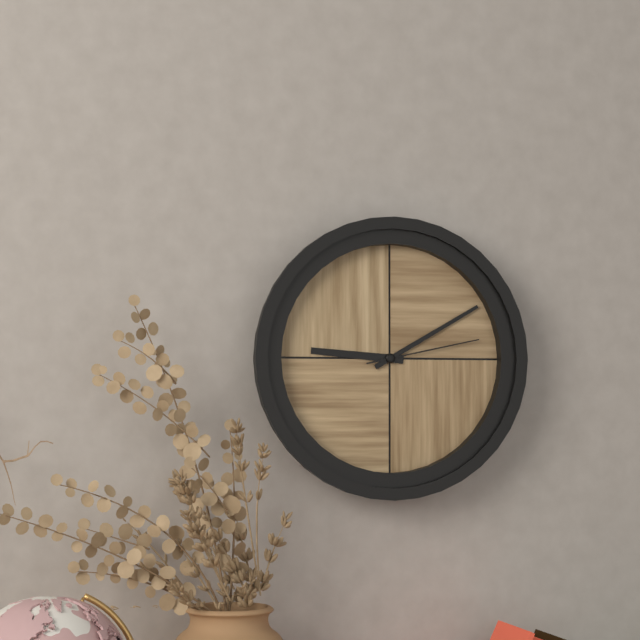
9:10:13
